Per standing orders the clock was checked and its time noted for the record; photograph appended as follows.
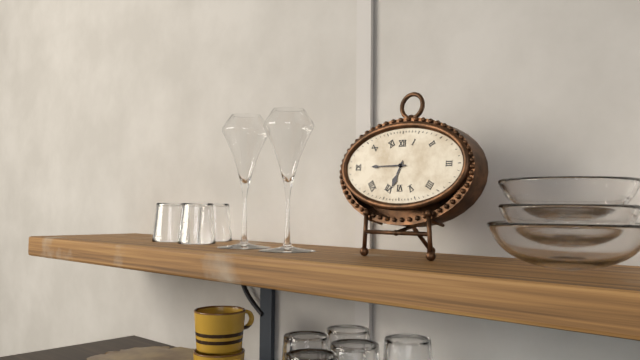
6:45
